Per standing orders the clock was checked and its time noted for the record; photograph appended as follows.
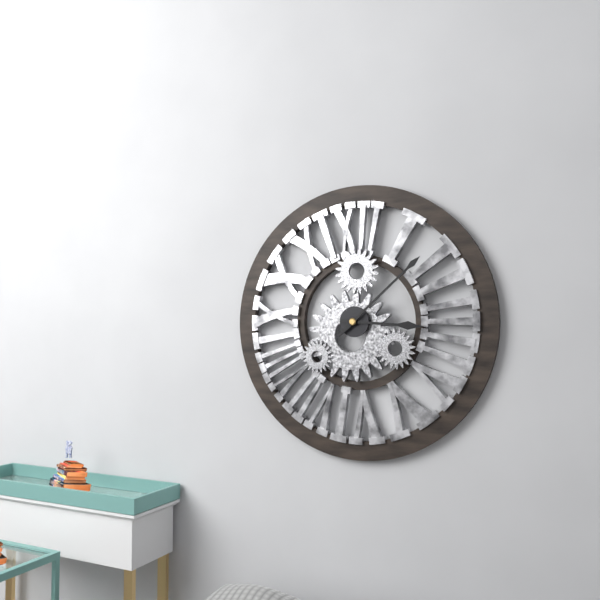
3:08
